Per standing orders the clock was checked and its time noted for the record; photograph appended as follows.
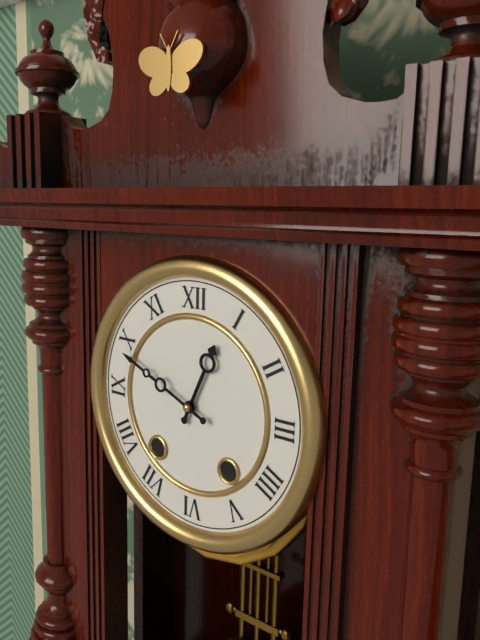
12:49
